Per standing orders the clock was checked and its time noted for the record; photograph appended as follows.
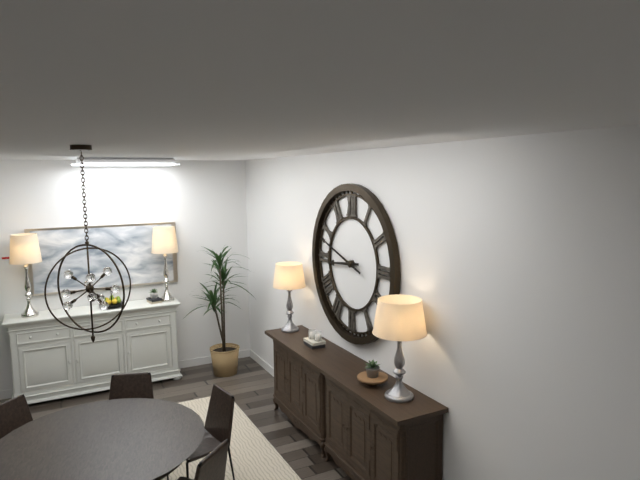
8:48
